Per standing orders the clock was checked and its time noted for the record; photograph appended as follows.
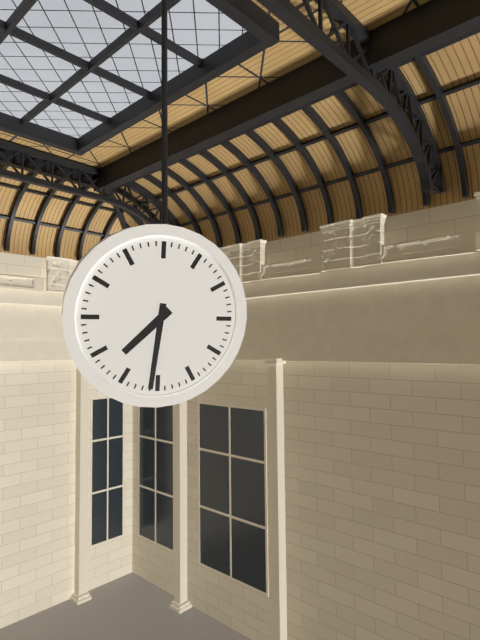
7:31
